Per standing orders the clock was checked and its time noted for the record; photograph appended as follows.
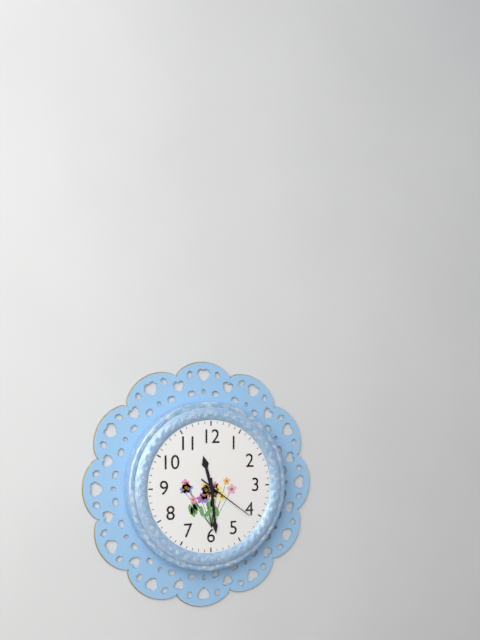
11:29:21
